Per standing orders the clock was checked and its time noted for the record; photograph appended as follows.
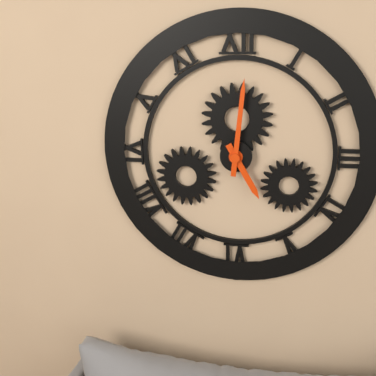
5:01
